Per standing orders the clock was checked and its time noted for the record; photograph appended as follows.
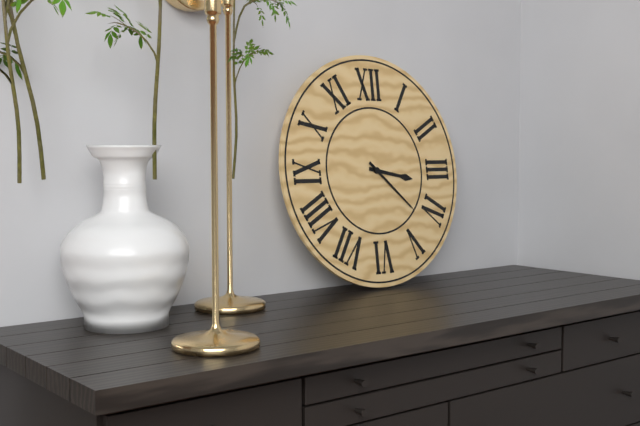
3:22
